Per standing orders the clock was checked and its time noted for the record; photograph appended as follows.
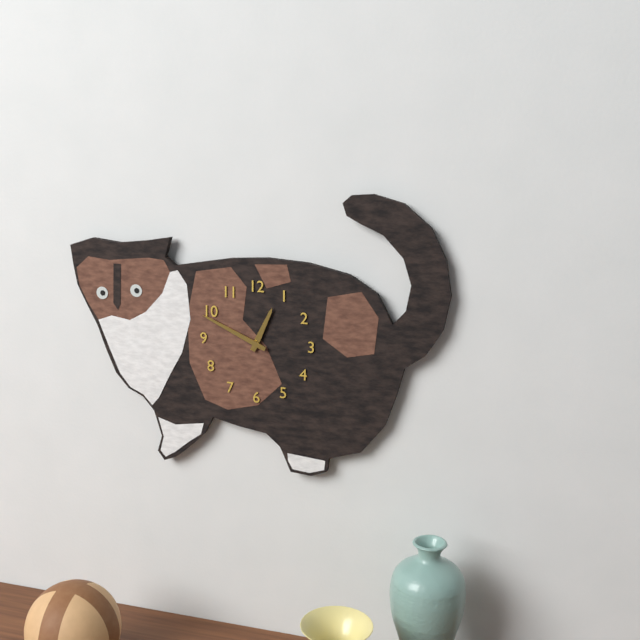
12:49
